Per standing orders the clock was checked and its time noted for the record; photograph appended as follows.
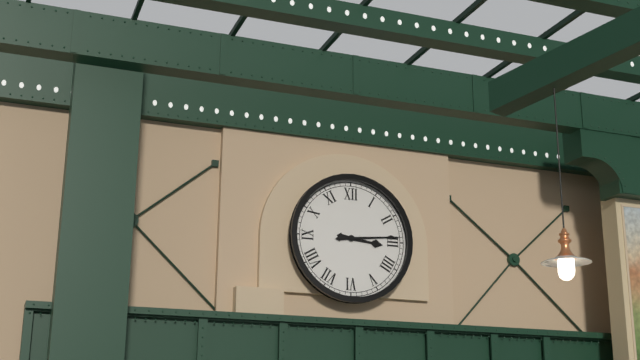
3:14
